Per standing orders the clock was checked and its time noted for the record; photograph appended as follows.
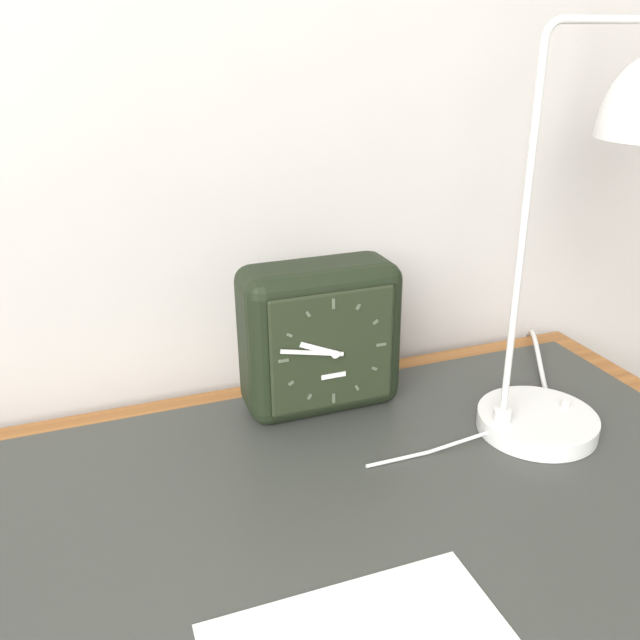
9:47
